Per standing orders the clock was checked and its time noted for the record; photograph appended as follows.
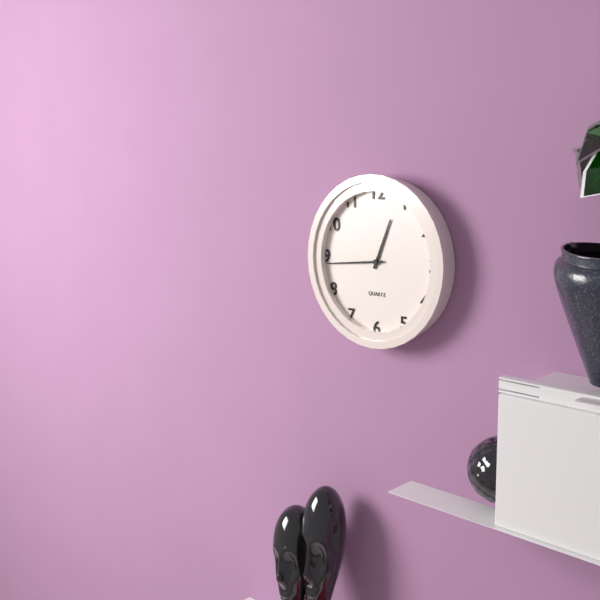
12:44
